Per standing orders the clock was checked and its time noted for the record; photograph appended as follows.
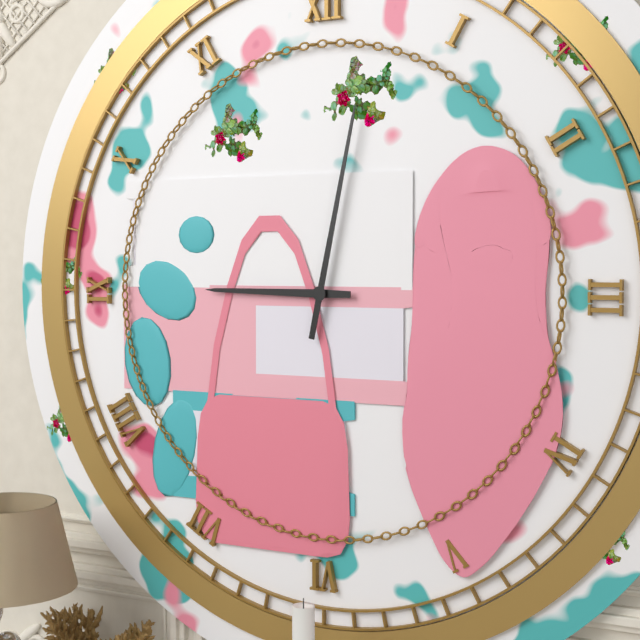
9:02
